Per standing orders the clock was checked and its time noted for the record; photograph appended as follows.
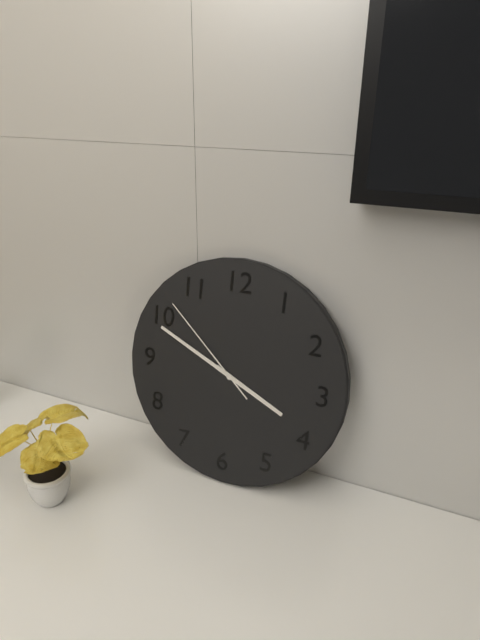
3:49:52
